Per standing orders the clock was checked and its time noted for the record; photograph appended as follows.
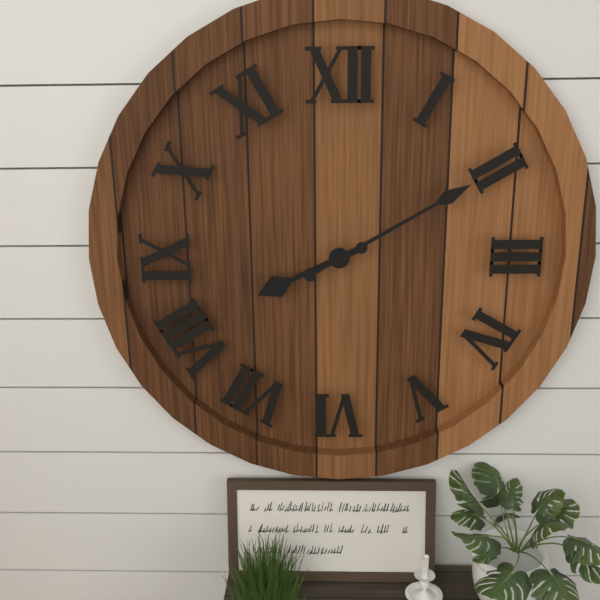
8:10
